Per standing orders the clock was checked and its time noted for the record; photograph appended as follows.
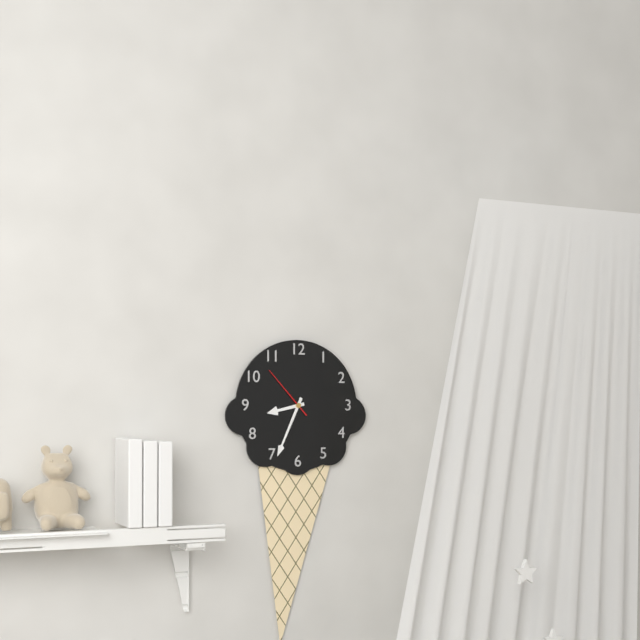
8:34:53
